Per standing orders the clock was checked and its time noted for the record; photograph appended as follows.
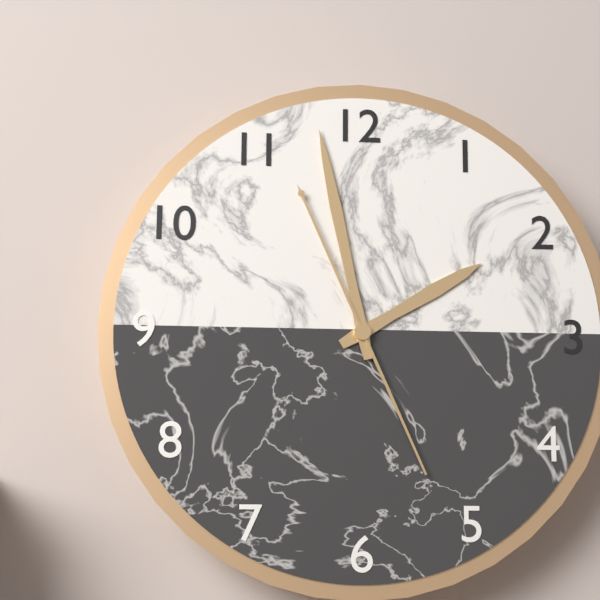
1:58:56
